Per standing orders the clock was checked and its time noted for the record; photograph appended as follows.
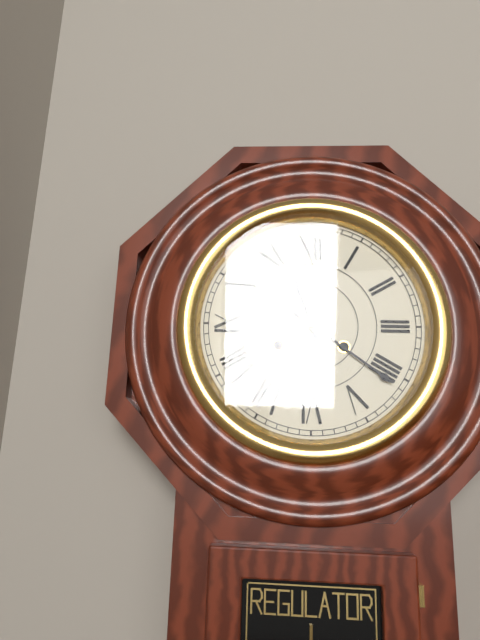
11:21
